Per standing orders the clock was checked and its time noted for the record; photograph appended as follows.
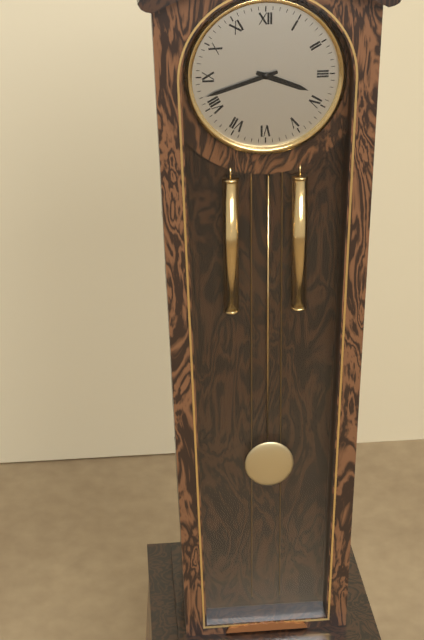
3:42
